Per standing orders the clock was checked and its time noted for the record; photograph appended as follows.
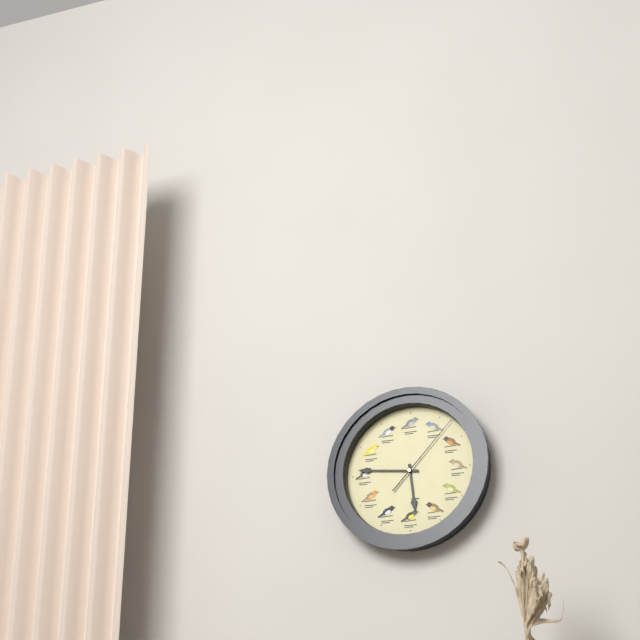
5:46:07
